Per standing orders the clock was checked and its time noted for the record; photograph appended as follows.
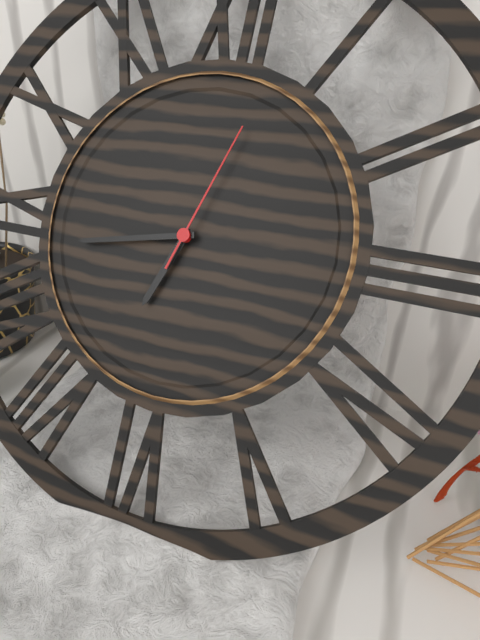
6:43:03
